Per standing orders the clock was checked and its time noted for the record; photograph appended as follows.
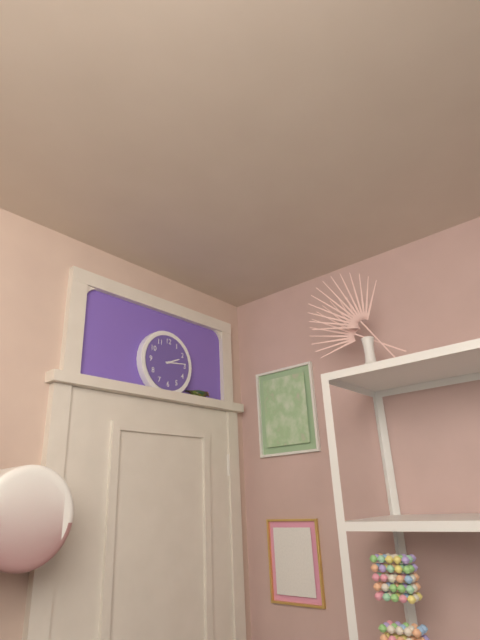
2:14
